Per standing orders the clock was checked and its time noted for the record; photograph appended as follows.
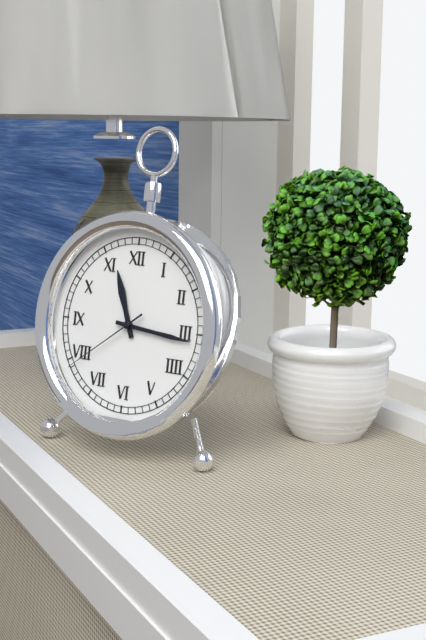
11:16:39
